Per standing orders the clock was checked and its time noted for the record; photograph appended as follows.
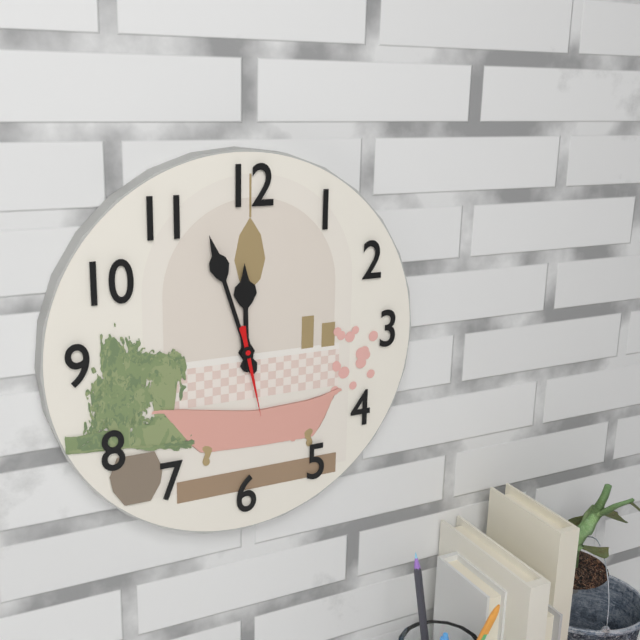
11:57:28
